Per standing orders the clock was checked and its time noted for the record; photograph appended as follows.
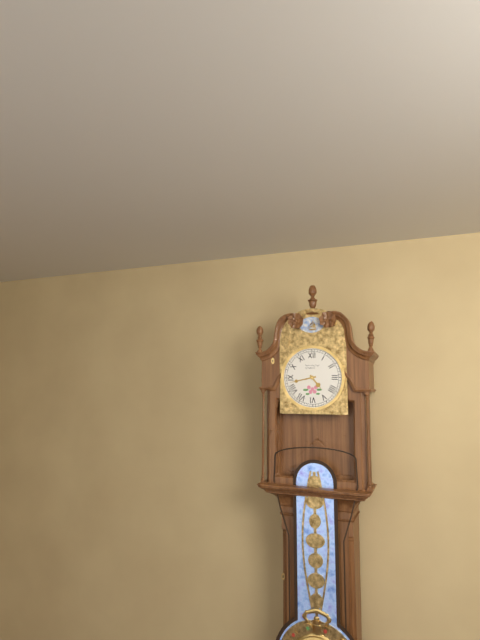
4:43
